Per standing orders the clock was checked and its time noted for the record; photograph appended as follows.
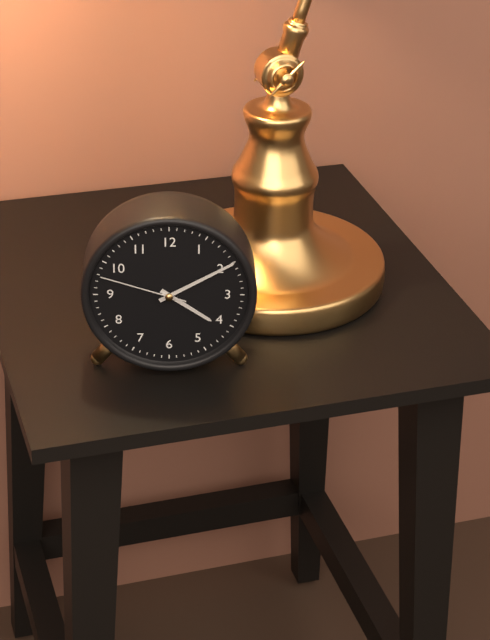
4:10:48
